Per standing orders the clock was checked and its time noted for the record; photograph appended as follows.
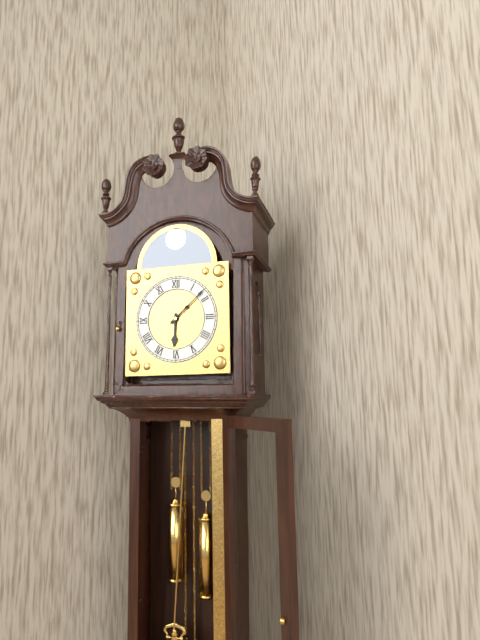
6:08
